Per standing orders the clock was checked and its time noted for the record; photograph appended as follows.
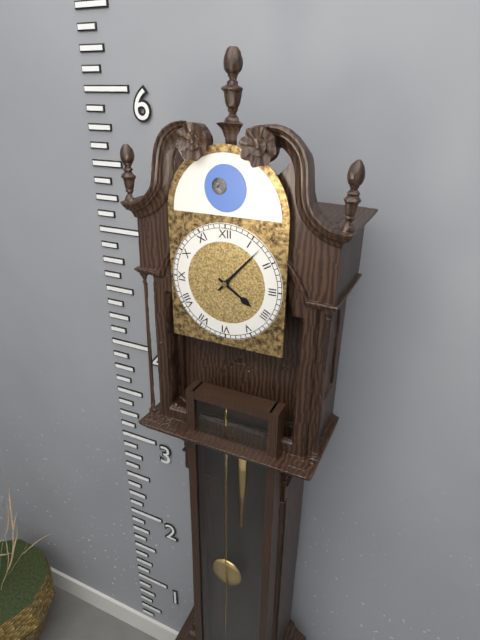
4:07
